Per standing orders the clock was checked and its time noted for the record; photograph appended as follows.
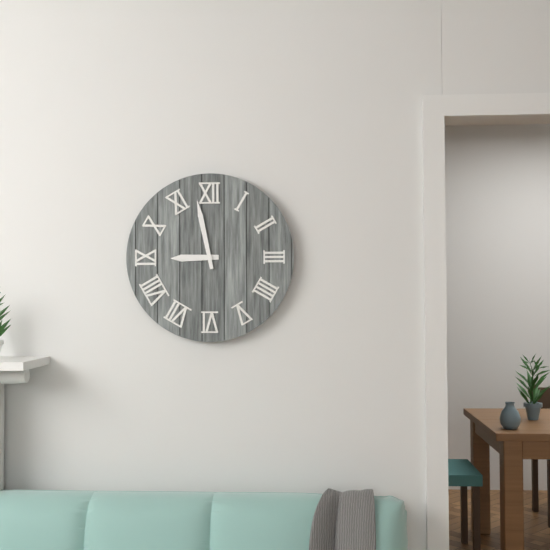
8:58
